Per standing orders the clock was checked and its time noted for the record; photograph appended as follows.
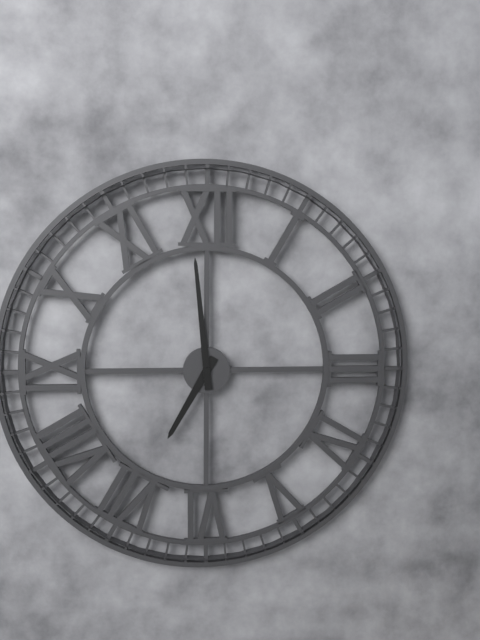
6:59
